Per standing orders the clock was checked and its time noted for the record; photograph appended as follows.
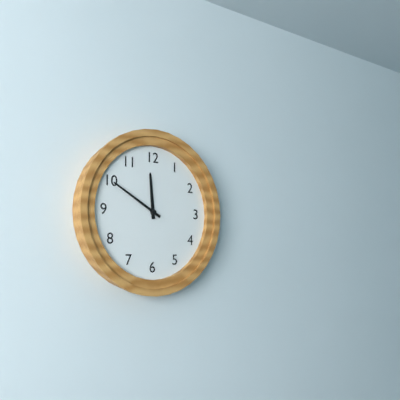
11:50
